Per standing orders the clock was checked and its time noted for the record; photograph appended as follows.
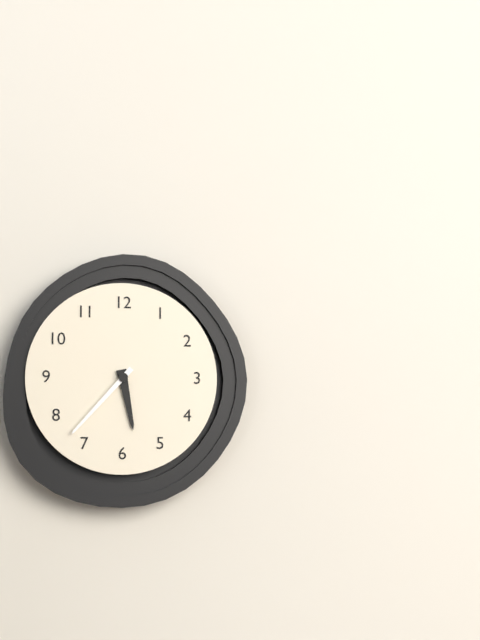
5:37
